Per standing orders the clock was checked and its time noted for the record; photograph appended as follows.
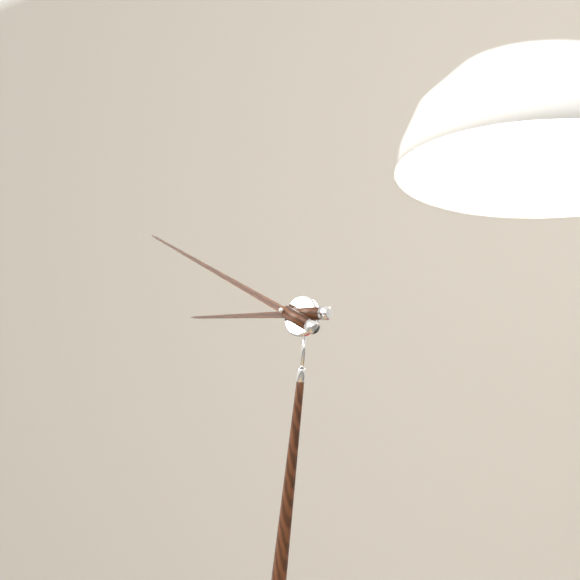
8:48
